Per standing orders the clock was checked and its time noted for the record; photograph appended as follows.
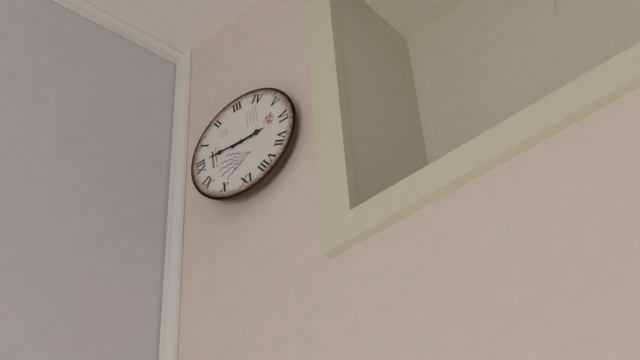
6:01
